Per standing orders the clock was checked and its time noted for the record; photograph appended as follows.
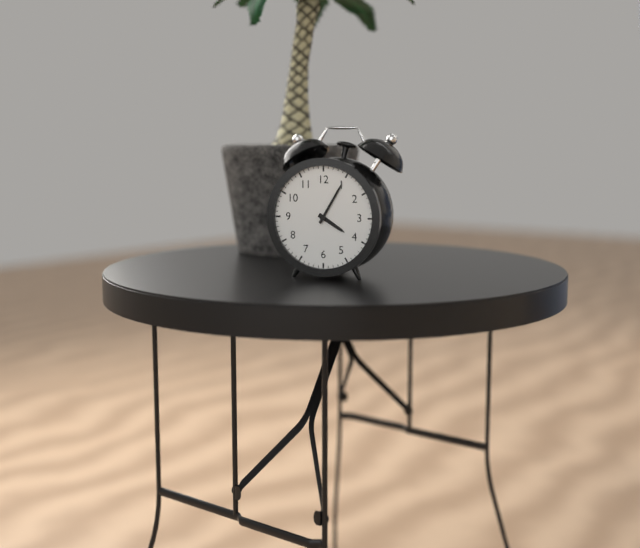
4:05
